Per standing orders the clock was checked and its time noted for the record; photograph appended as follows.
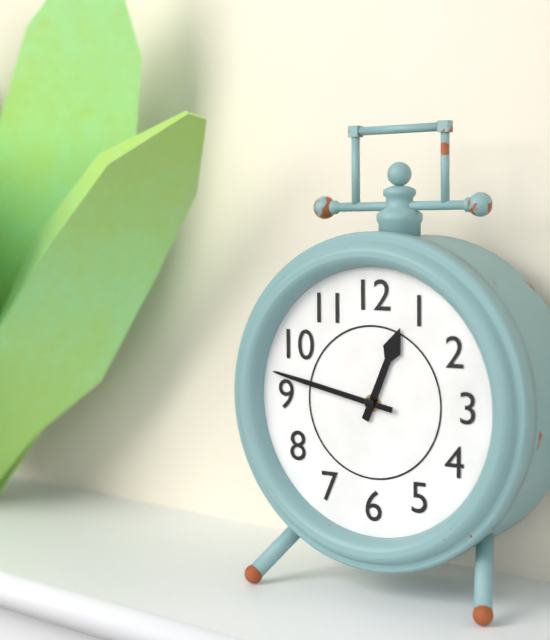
12:47
